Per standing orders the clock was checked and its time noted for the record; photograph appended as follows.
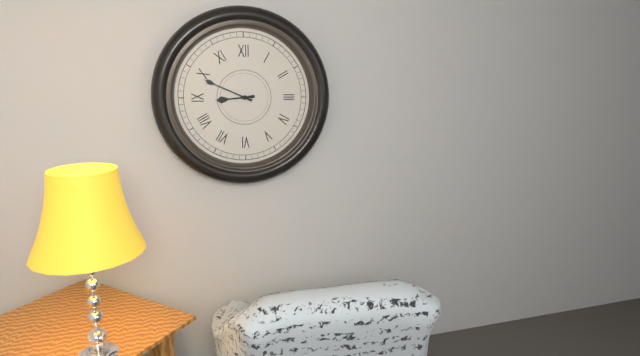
8:49
